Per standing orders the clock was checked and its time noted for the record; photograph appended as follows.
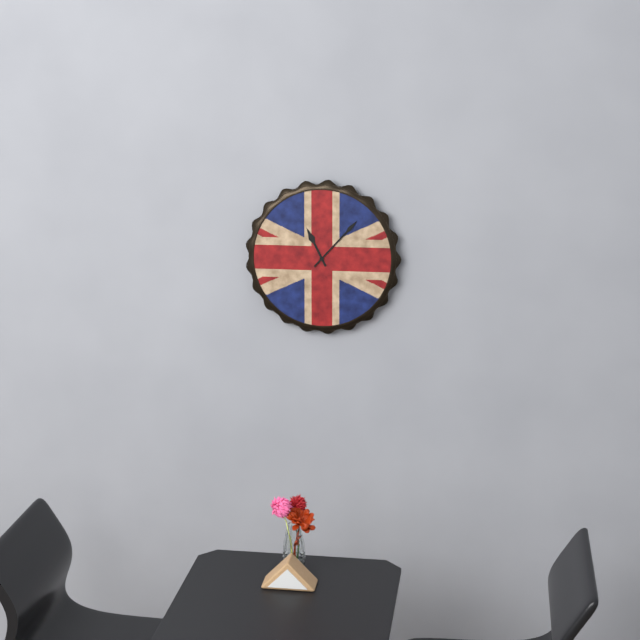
11:07
